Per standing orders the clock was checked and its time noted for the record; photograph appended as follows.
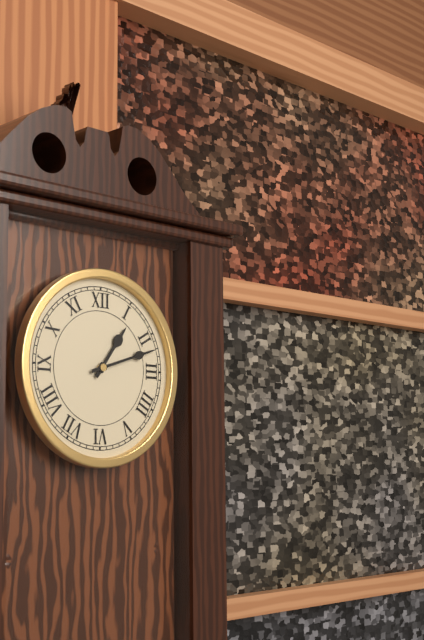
1:12
